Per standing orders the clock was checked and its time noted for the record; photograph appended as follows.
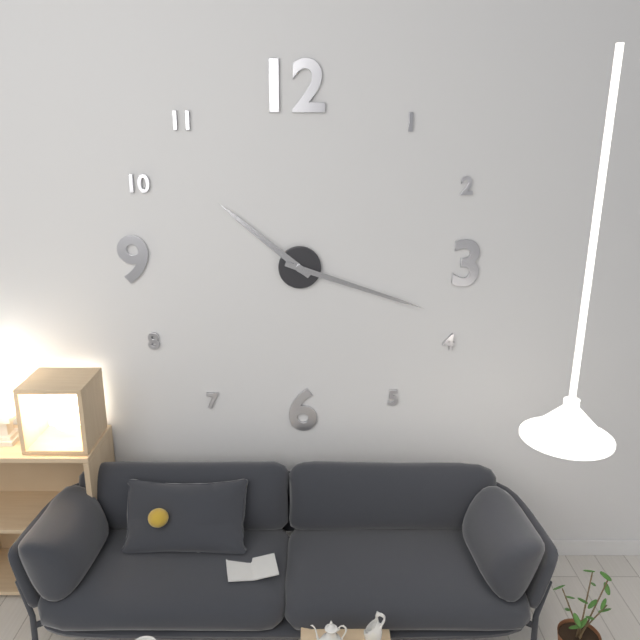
10:18
